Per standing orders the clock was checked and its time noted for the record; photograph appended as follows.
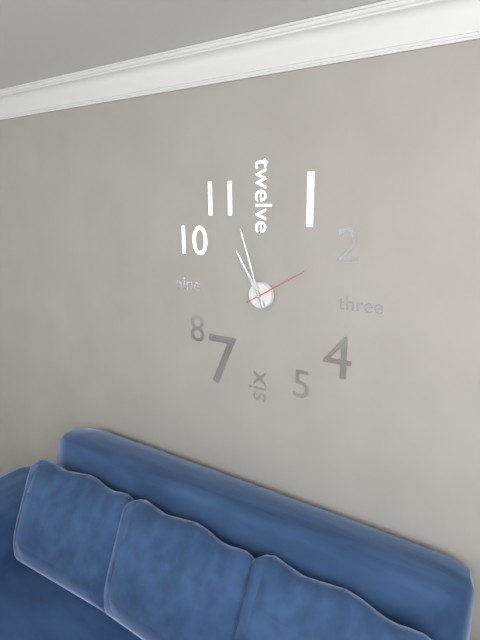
10:57:10
